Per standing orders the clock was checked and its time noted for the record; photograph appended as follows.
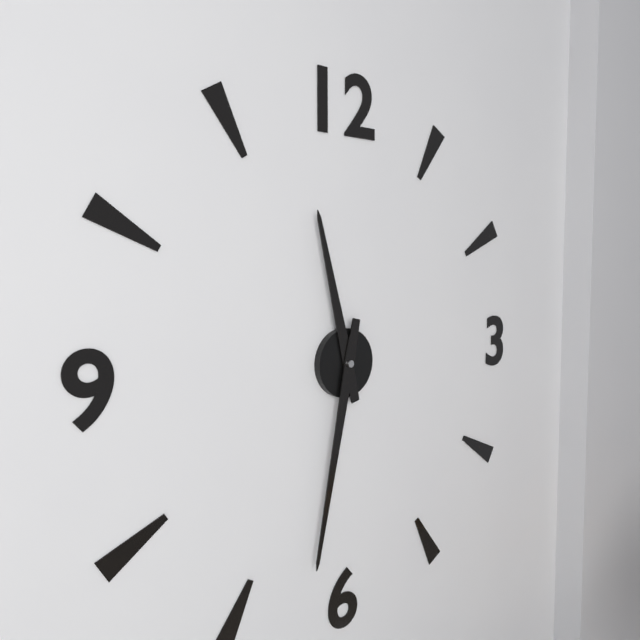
11:32
